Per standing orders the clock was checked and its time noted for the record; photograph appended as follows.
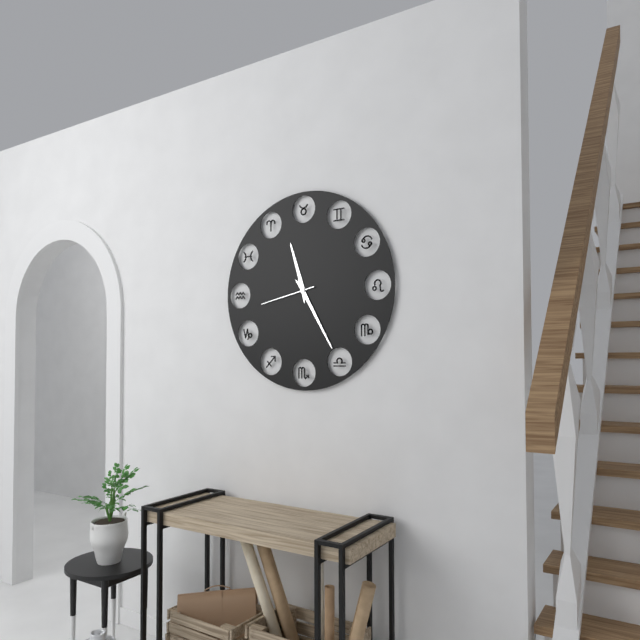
11:25:43
